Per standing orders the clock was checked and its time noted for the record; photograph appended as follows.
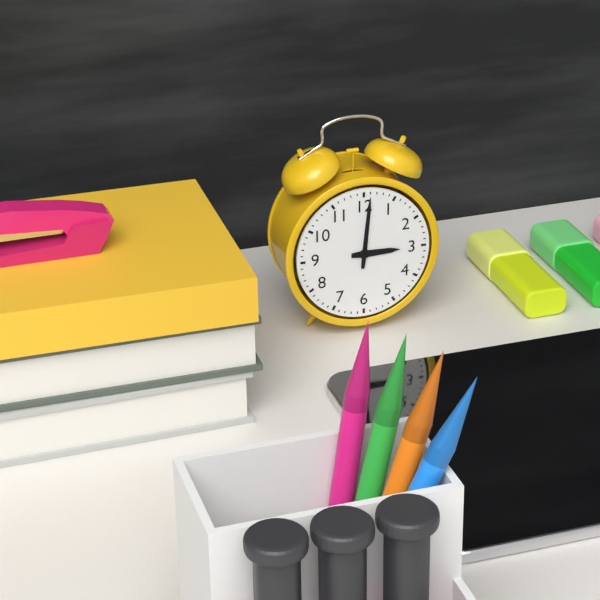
3:01
